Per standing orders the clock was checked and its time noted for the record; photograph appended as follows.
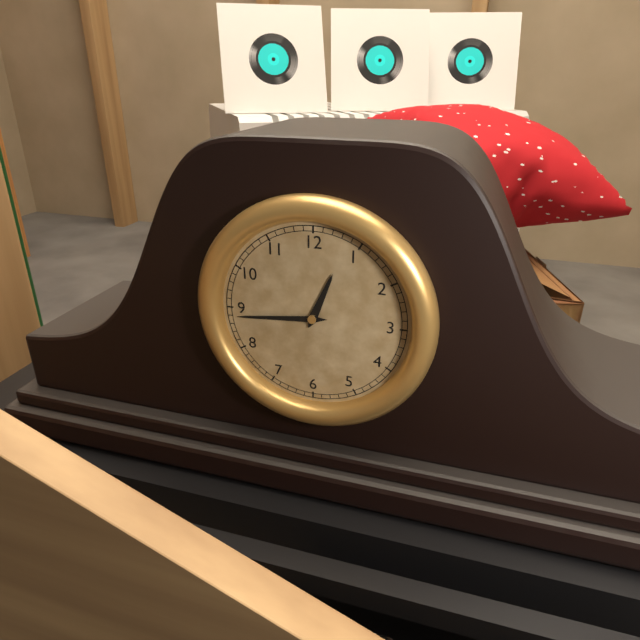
12:44
